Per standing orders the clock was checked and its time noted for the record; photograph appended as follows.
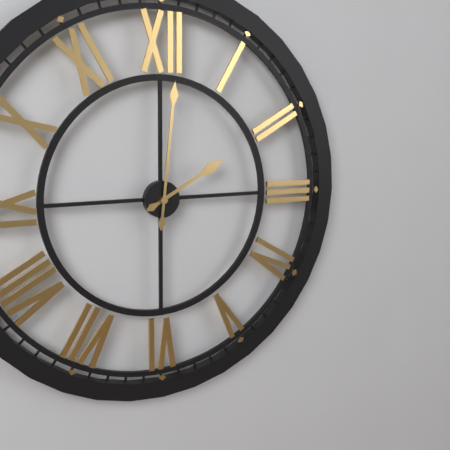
2:01
